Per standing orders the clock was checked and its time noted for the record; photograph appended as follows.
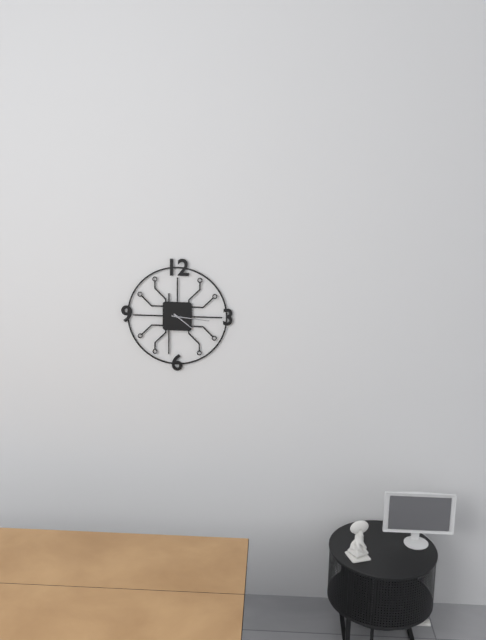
4:16
